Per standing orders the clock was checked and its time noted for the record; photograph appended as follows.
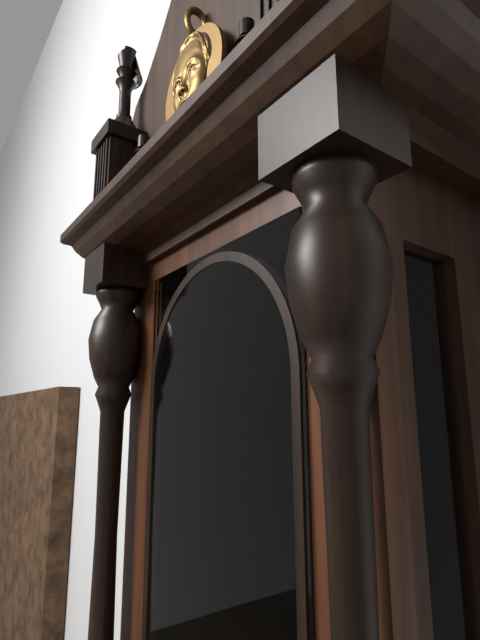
8:09
